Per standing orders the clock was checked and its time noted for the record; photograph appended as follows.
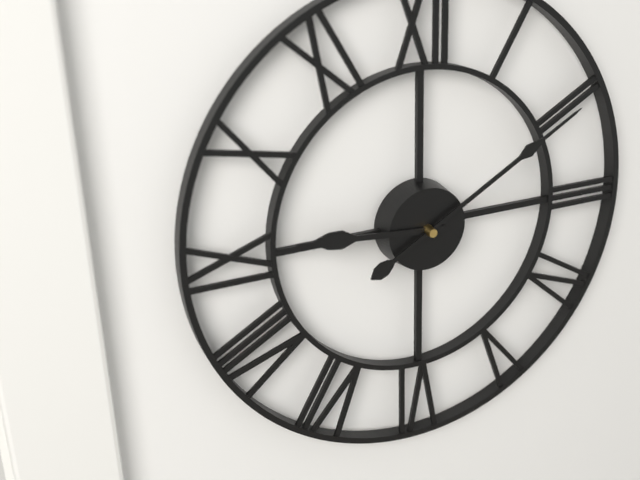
9:10
